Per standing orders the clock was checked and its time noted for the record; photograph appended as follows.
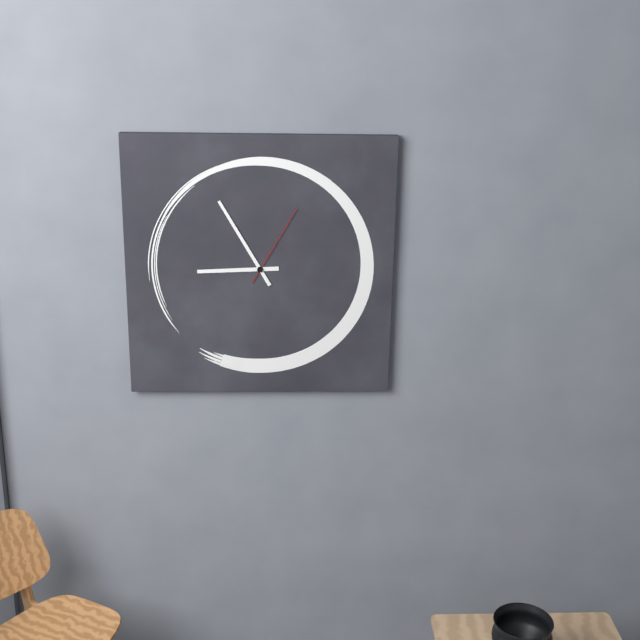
8:55:05
